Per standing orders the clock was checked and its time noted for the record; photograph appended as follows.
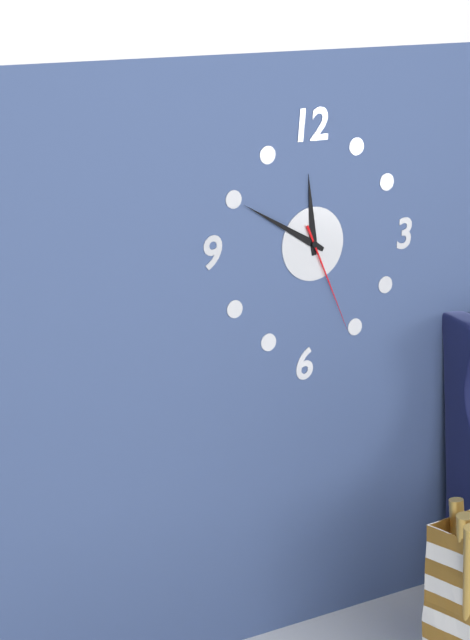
11:50:26
